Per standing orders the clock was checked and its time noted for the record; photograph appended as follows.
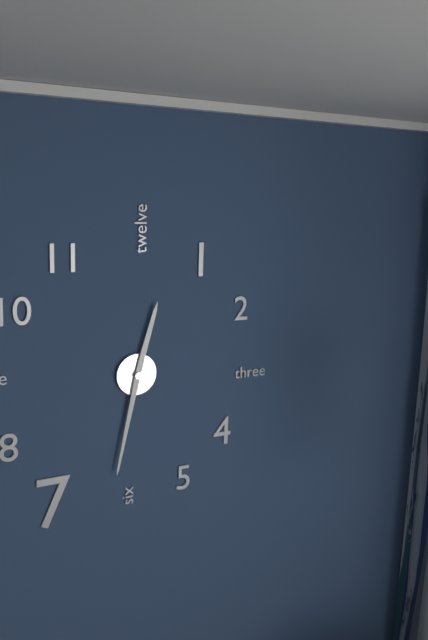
12:32
